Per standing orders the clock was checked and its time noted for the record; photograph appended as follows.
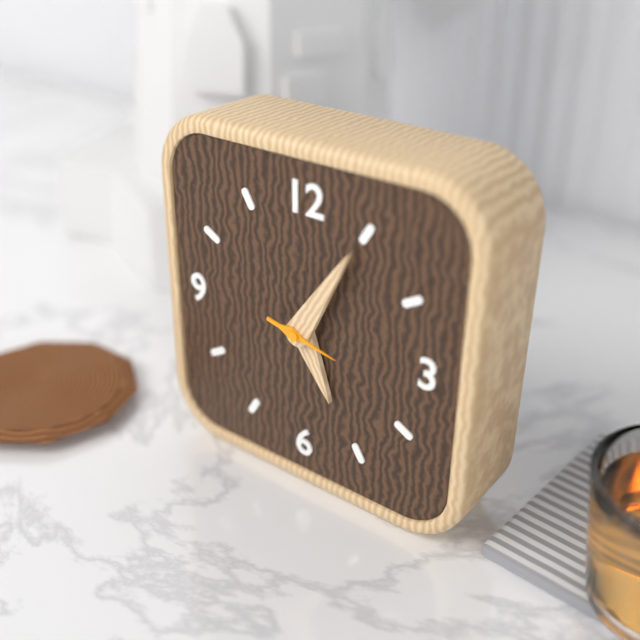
5:05:17
